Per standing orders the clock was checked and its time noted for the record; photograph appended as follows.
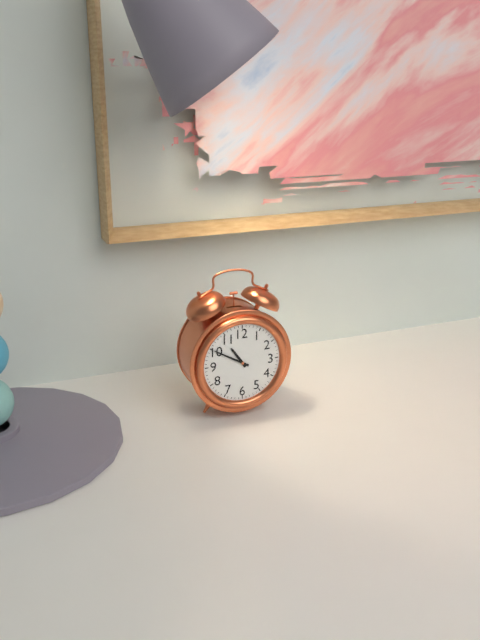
10:50
